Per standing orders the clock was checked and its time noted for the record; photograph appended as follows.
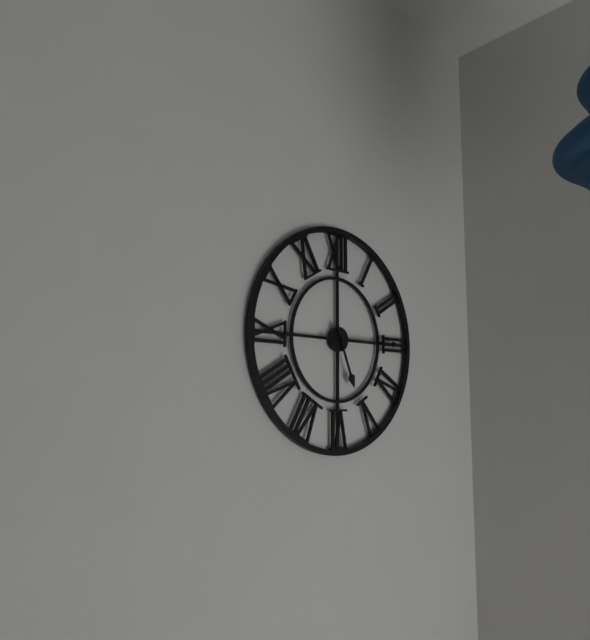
5:15
